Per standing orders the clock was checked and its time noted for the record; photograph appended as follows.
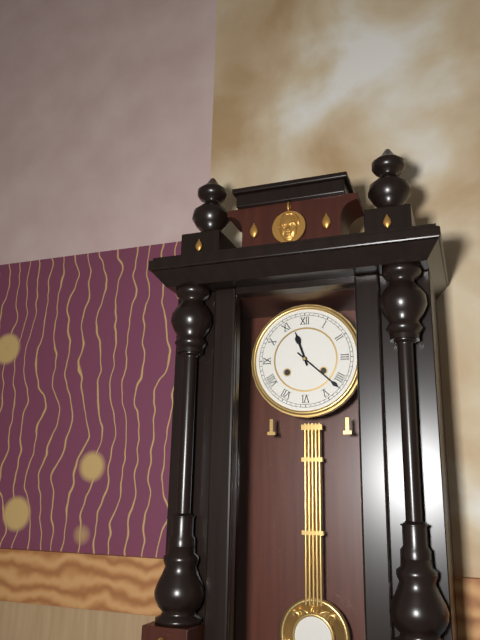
11:22
